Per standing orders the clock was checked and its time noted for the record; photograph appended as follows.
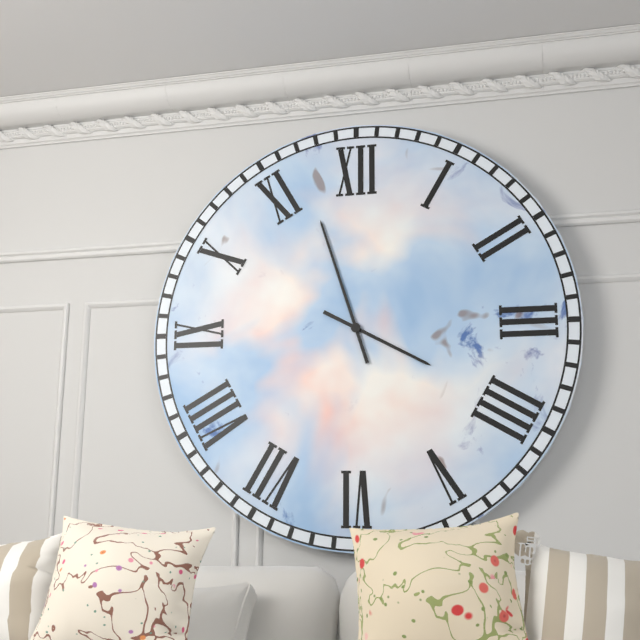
3:57
